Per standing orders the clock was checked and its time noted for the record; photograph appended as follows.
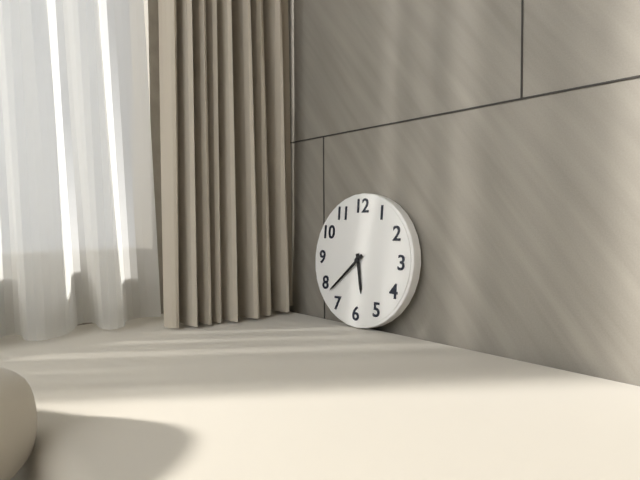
5:38
